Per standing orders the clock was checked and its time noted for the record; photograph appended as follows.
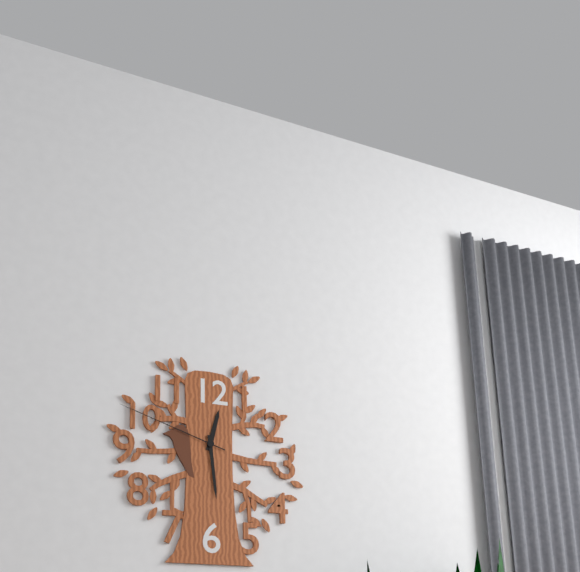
12:29:48
